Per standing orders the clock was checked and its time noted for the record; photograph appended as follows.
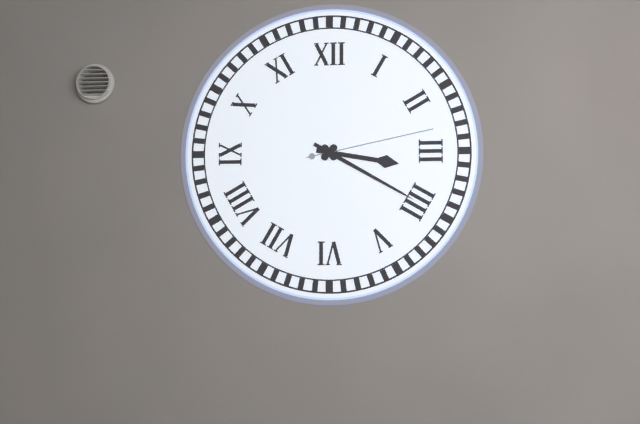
3:20:13
